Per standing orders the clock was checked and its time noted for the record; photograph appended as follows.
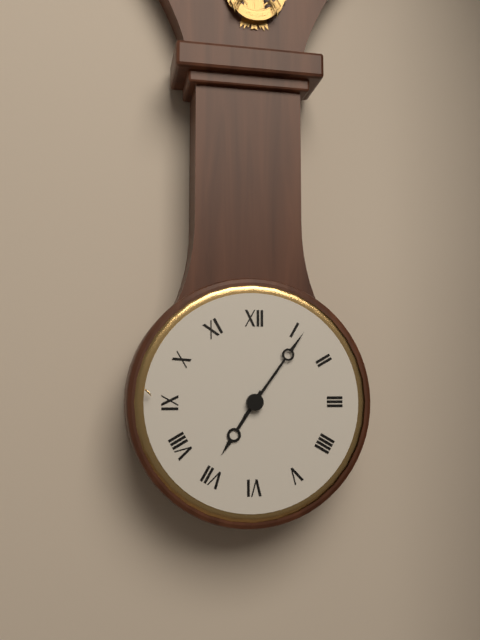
7:06
